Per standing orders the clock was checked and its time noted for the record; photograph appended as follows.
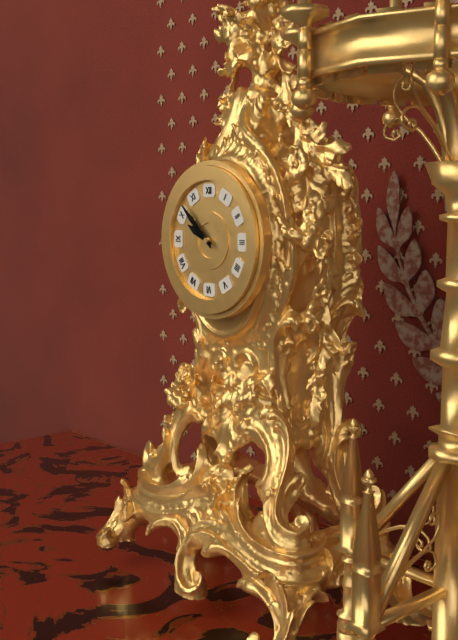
9:52
